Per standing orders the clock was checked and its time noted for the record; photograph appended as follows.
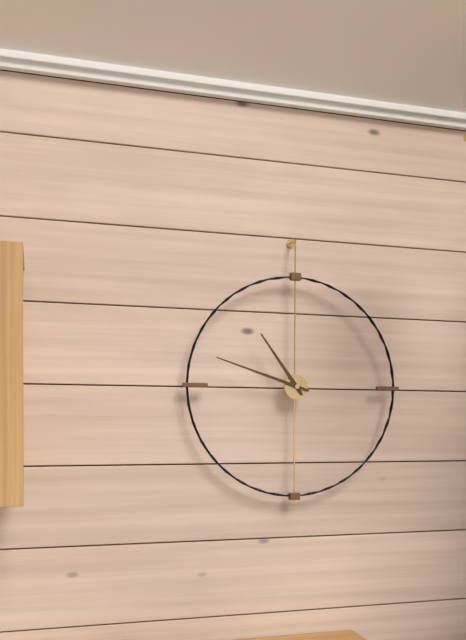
10:48
